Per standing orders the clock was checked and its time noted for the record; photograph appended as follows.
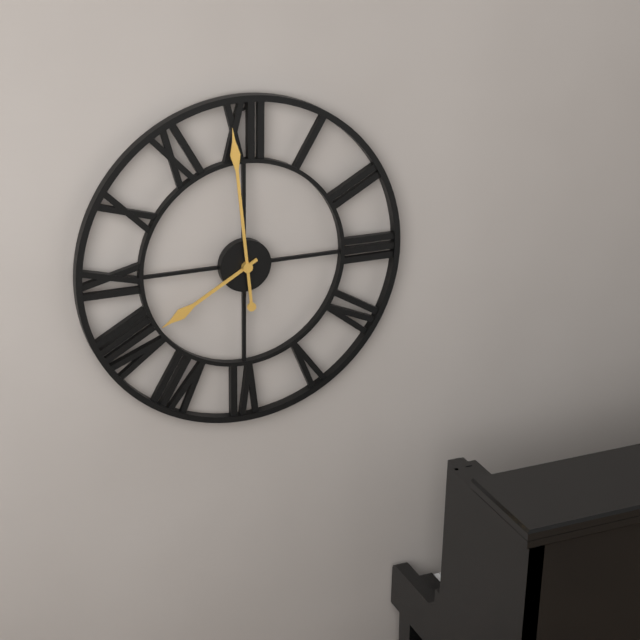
7:59
